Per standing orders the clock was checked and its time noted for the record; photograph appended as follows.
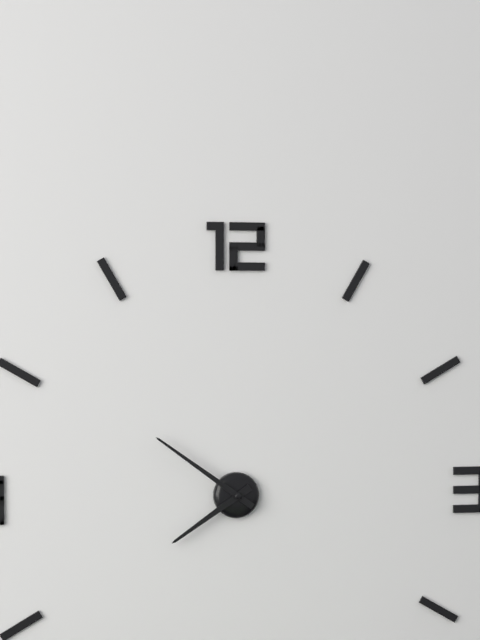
7:51
